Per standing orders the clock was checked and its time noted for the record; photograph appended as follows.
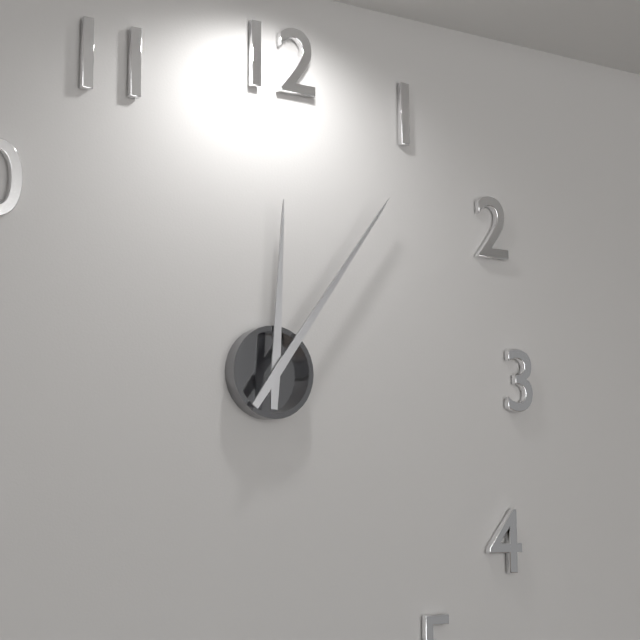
12:06
